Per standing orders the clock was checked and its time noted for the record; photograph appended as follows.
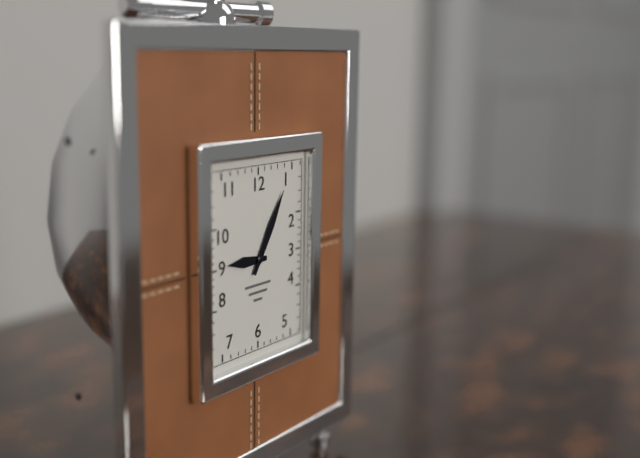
9:05
